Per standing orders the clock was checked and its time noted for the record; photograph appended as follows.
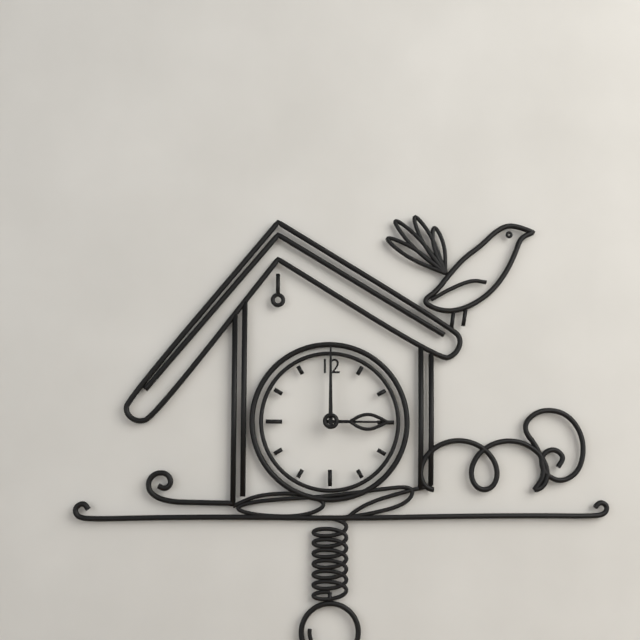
3:00
